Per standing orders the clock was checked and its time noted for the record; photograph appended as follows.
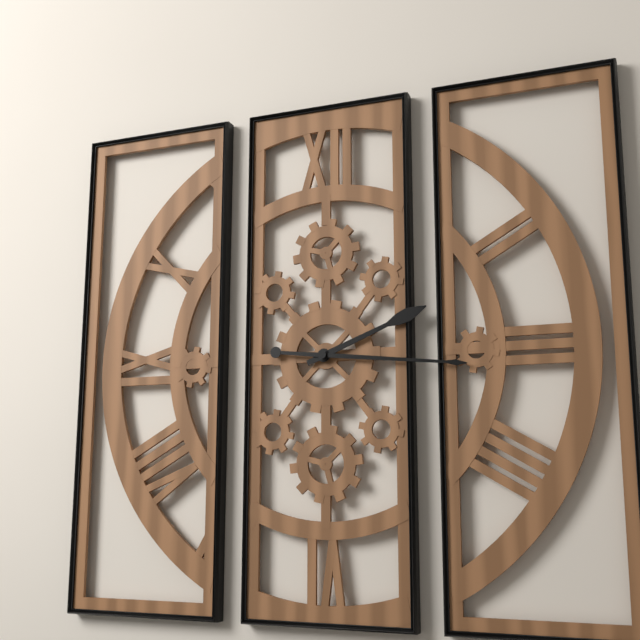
2:16
